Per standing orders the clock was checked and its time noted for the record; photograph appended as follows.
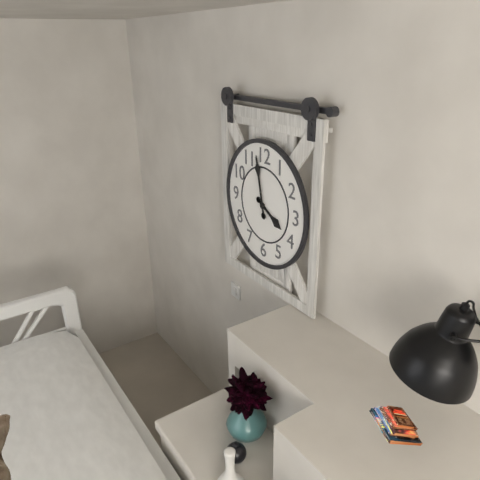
3:58
